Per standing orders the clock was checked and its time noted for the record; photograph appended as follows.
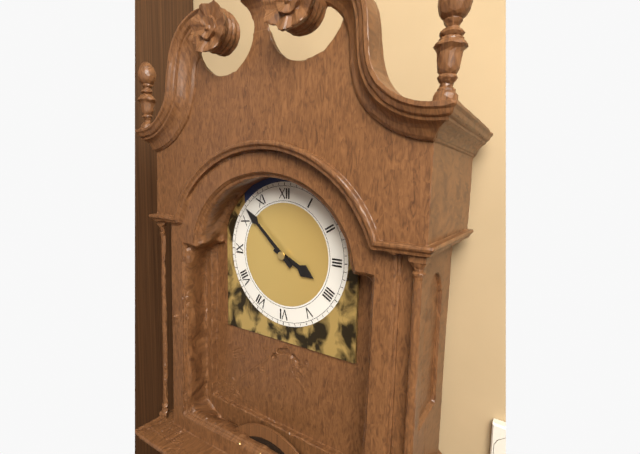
3:52
